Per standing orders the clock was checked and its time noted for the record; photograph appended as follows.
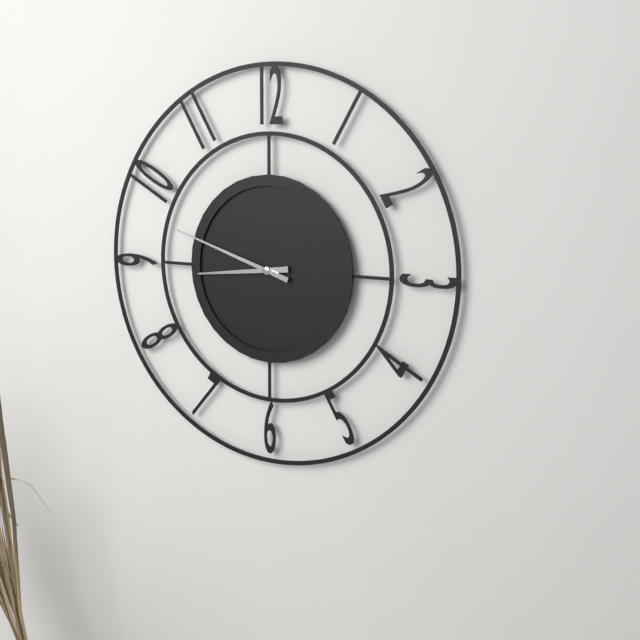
8:48
